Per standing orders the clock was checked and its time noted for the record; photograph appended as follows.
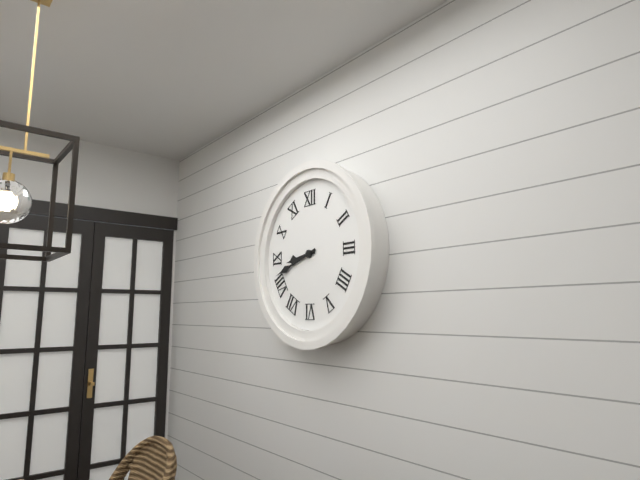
8:42
